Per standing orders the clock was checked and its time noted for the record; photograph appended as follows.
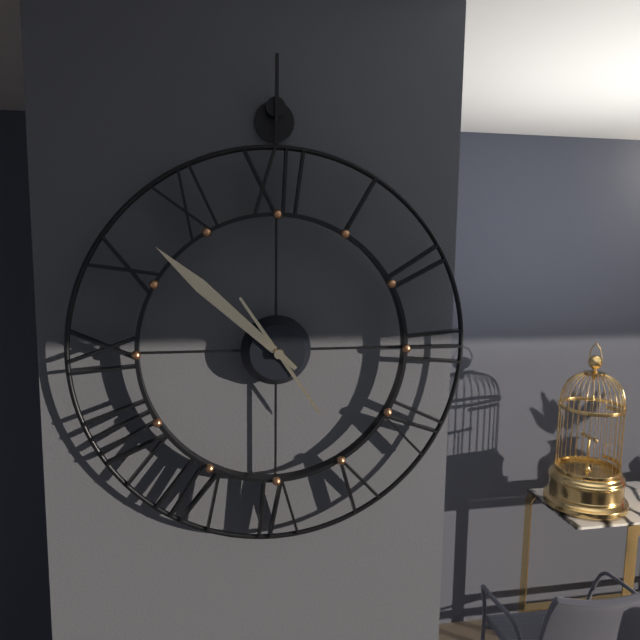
4:52
